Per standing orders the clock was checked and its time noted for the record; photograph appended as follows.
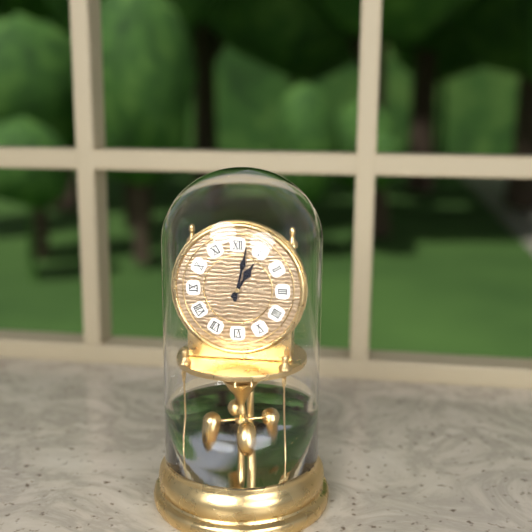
1:02
